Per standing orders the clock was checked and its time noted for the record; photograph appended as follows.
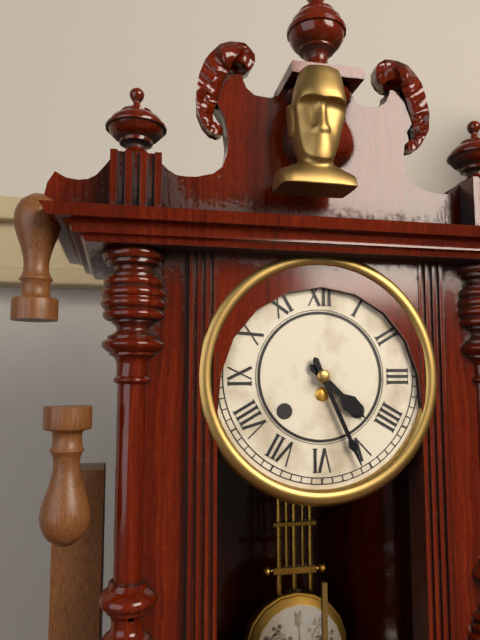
4:26
